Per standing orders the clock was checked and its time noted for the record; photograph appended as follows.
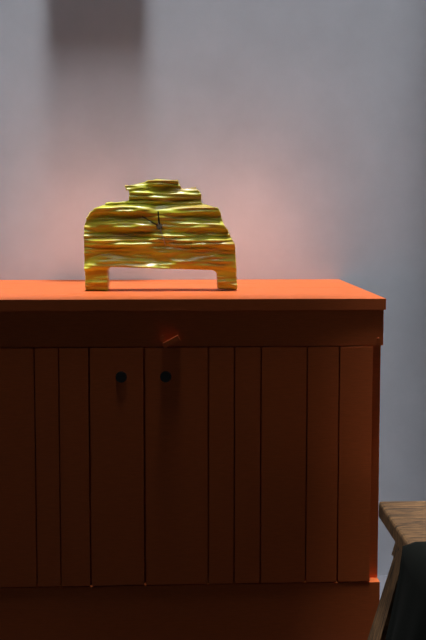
11:50
